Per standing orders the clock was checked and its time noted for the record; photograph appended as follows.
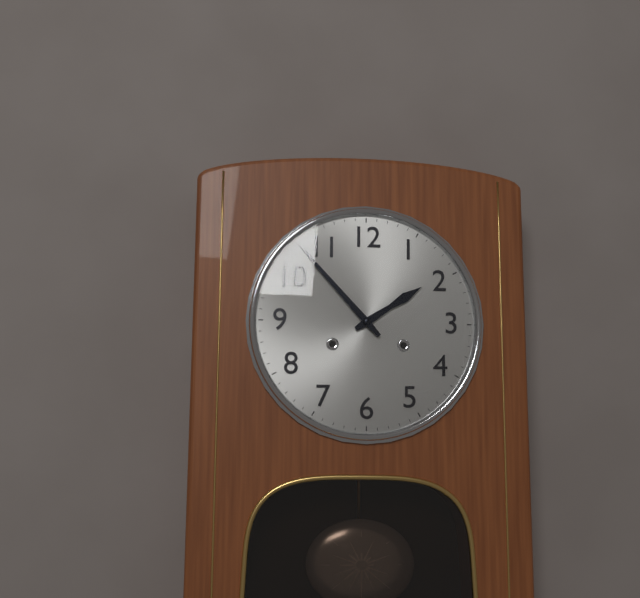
1:53
